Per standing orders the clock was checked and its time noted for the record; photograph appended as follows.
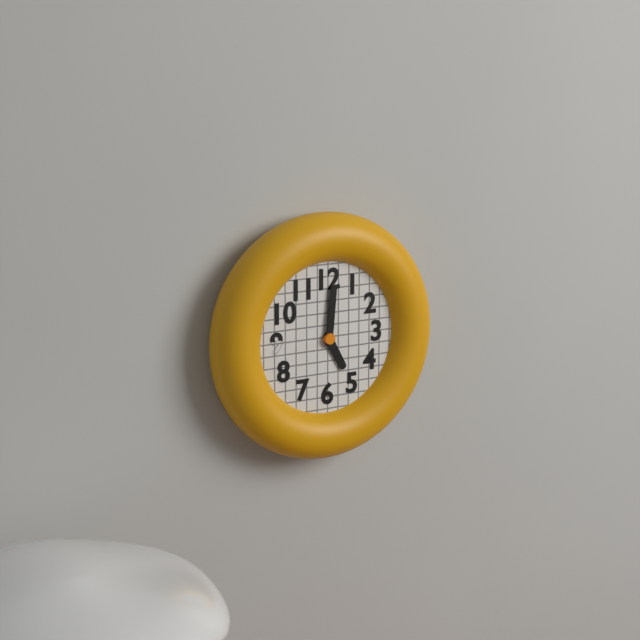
5:01
